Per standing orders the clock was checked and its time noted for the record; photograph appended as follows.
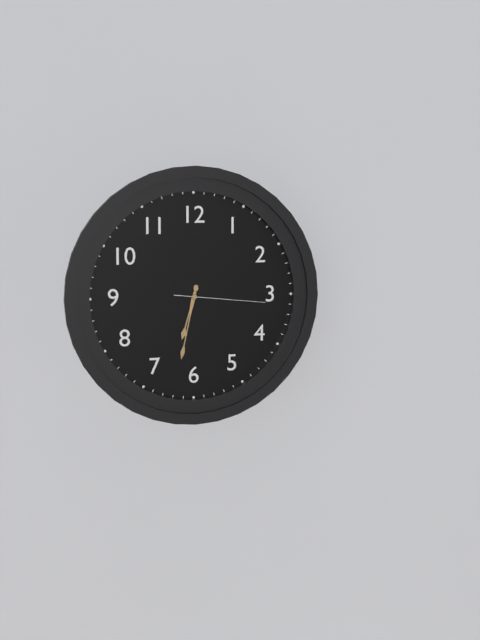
6:32:16
